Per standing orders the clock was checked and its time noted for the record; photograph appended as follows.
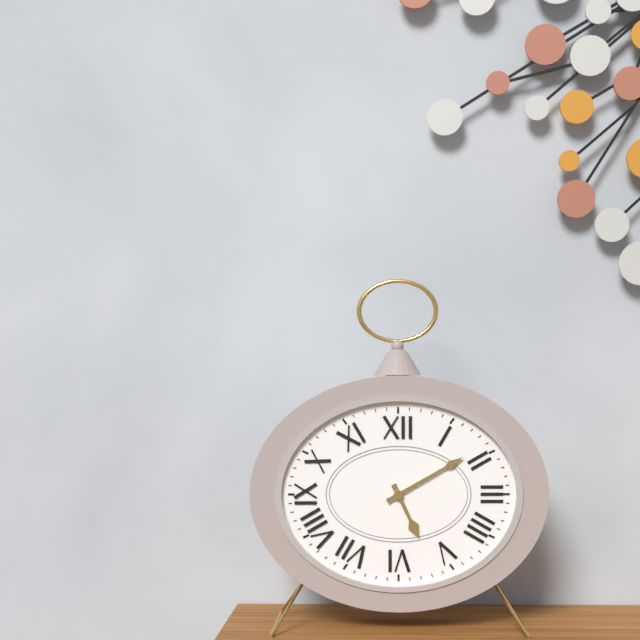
5:10
